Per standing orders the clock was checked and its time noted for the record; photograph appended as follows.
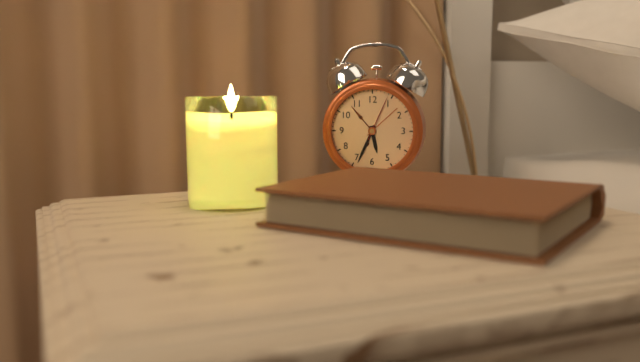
5:34
